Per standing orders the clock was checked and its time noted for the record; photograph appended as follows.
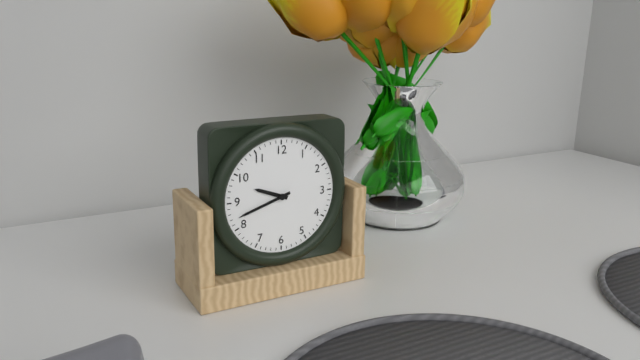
9:42
